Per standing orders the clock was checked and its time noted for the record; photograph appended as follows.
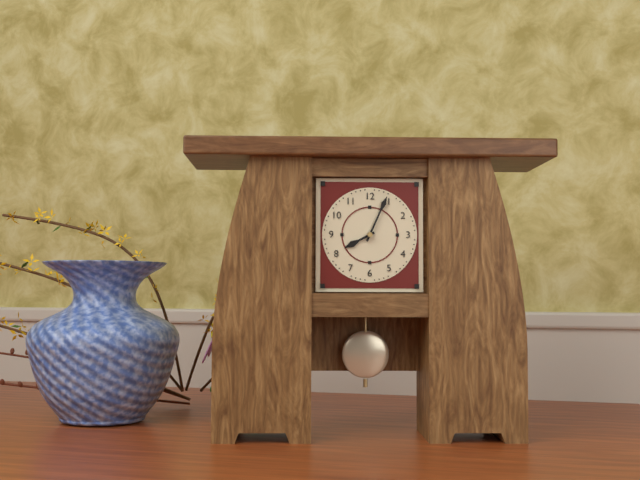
8:04
